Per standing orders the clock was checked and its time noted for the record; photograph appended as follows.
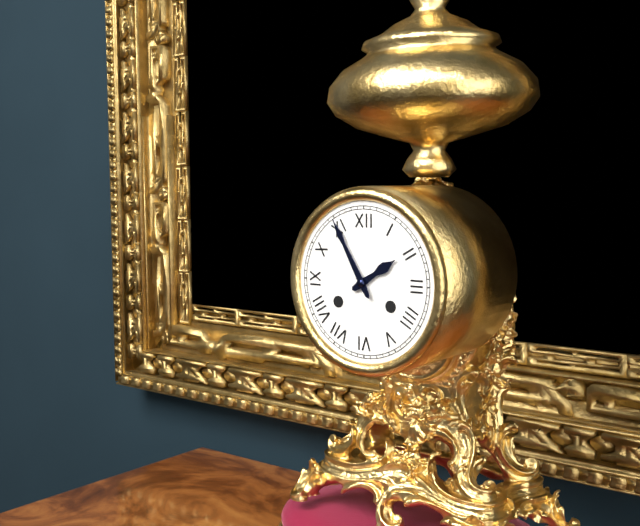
1:55
